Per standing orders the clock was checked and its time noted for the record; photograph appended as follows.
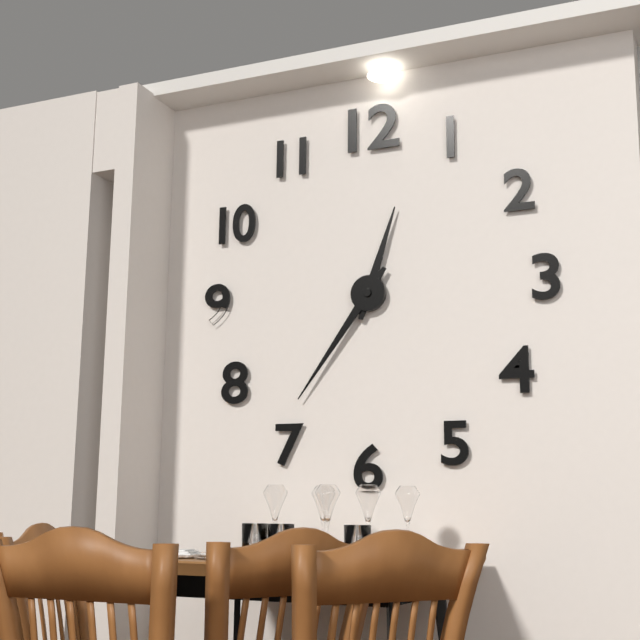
12:36
